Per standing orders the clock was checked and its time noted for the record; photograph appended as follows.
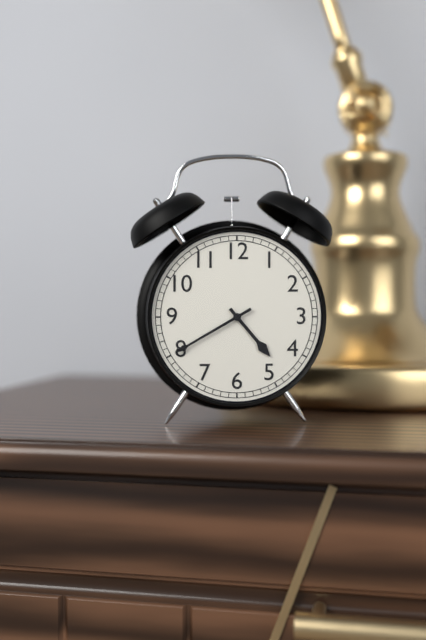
4:40
